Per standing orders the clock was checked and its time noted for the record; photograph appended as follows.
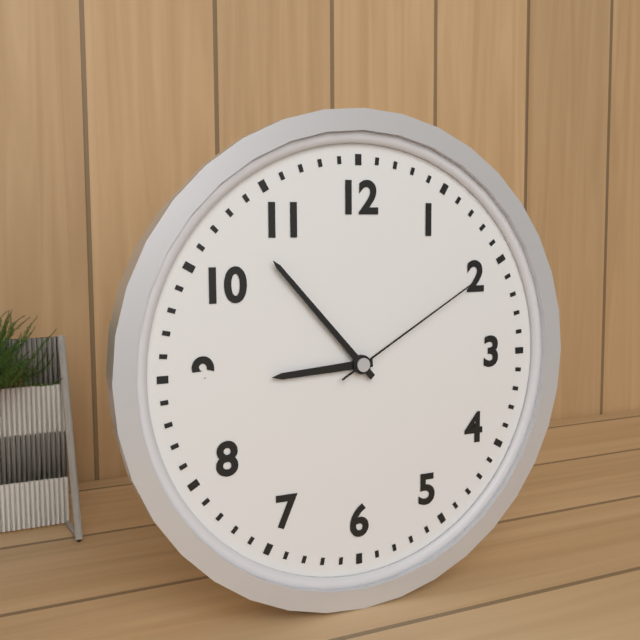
8:53:10
